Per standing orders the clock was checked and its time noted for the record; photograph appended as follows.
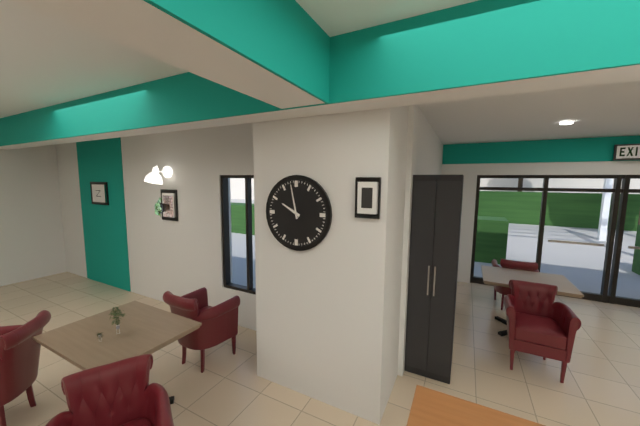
9:58
